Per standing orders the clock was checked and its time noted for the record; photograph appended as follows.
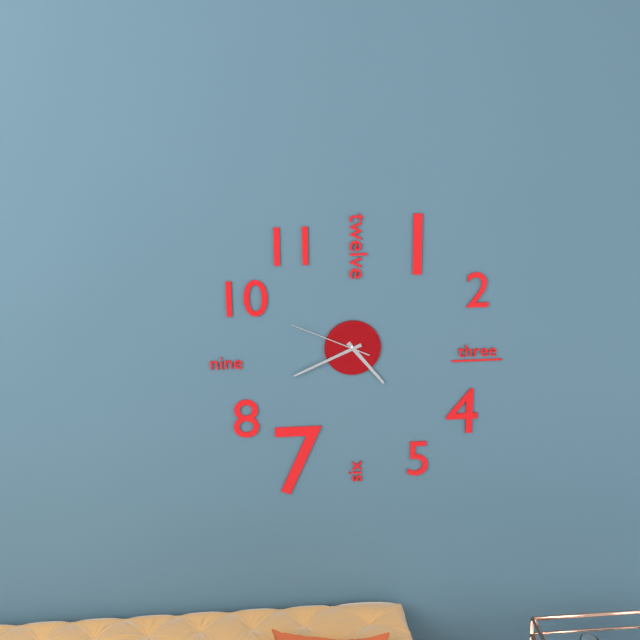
4:41:49
